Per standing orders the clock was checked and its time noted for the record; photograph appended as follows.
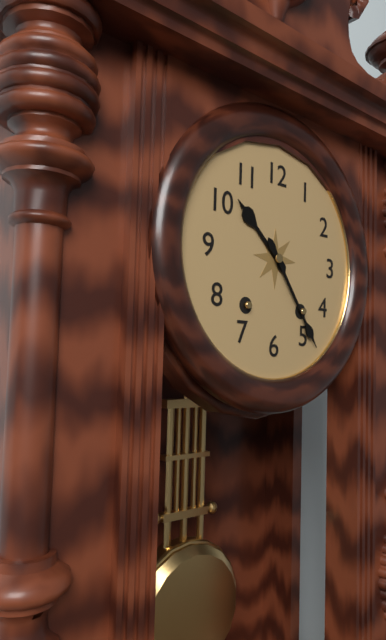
10:24
